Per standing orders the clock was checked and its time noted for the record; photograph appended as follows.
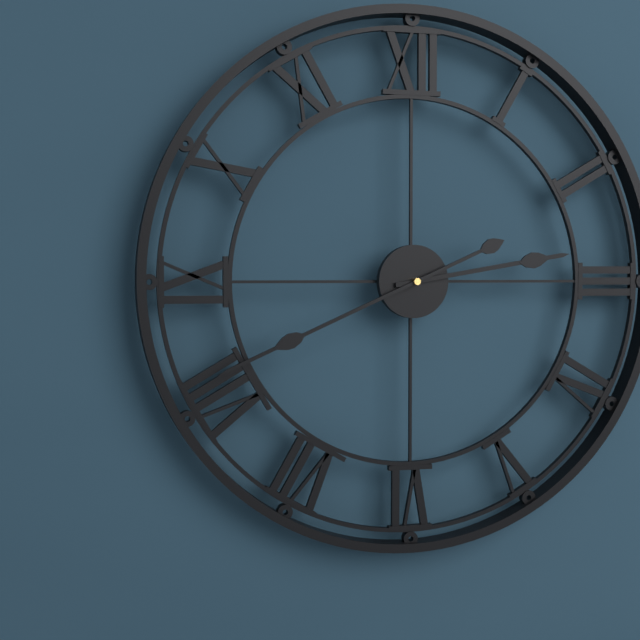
2:41
